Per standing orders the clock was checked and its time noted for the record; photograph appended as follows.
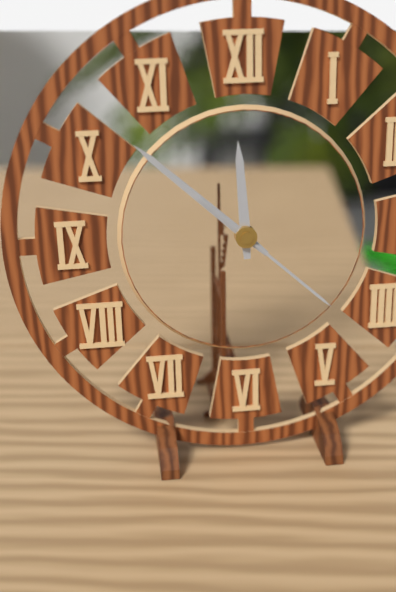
11:52:22
